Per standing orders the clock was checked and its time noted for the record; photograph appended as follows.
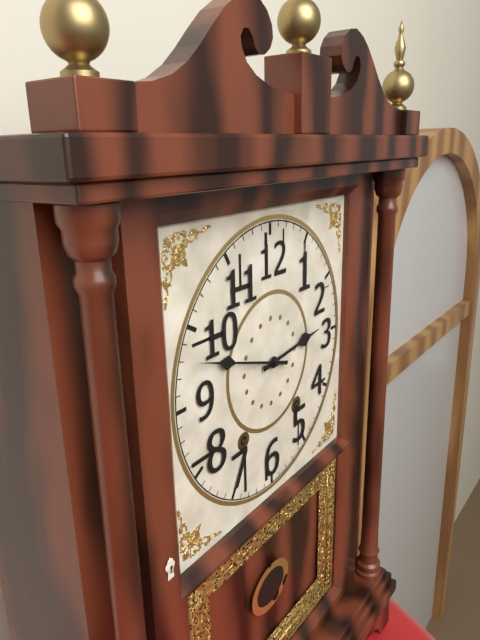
2:48
